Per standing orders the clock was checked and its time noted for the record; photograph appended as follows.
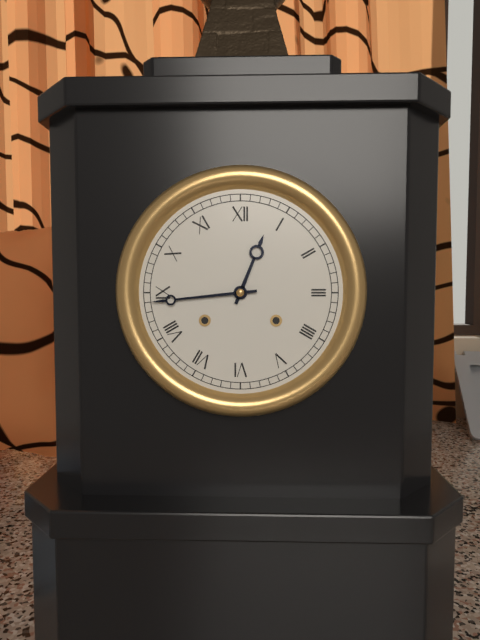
12:44
